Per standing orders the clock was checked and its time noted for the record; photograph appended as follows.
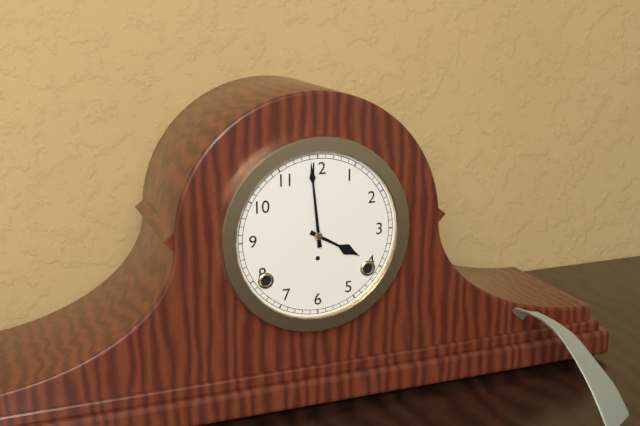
3:59
